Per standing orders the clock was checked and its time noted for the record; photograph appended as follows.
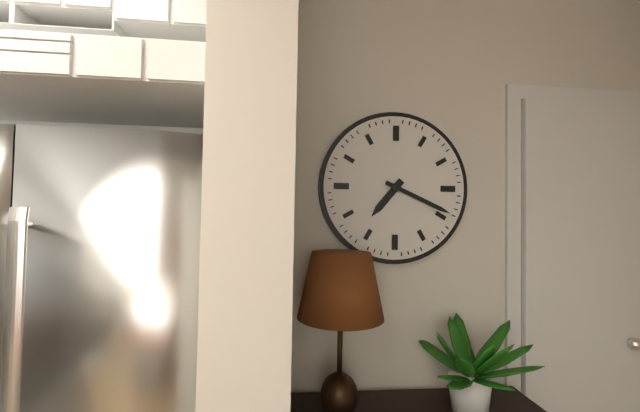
7:19
